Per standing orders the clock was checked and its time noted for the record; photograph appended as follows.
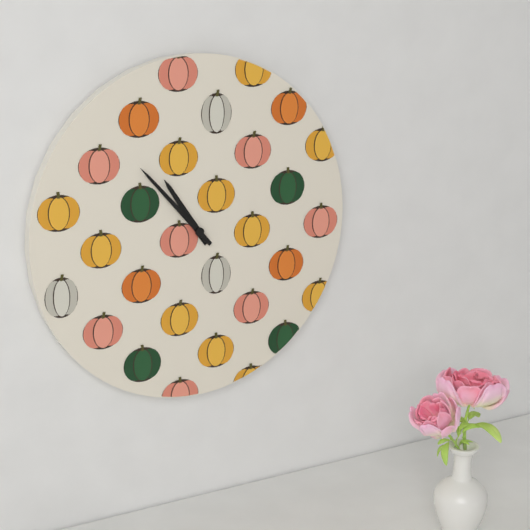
10:53
